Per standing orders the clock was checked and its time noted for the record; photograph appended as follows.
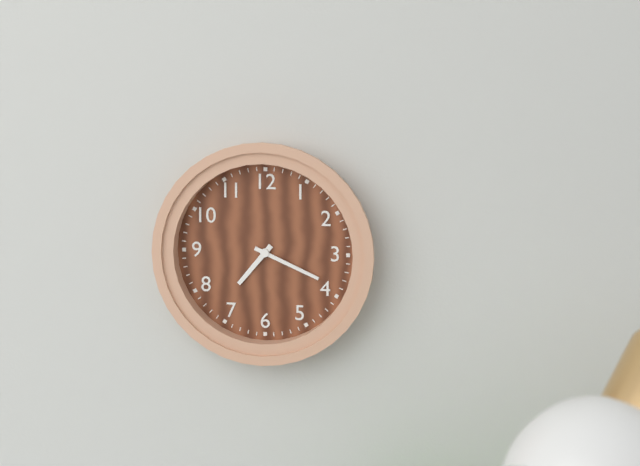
7:19
